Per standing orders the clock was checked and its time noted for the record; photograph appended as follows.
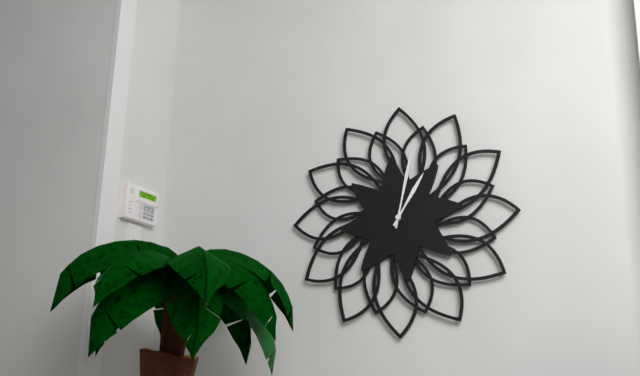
1:02
